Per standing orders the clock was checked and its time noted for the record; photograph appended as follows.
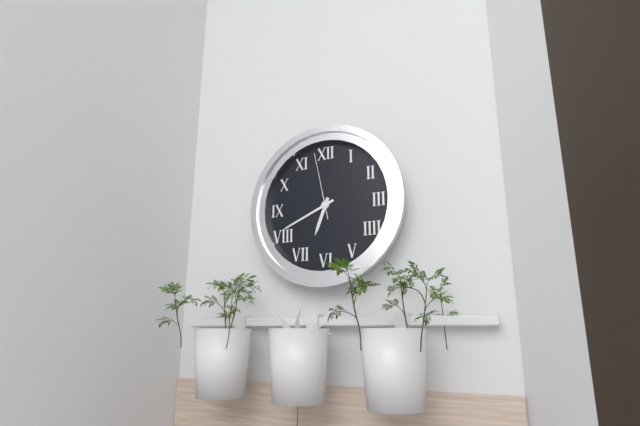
6:41:58
